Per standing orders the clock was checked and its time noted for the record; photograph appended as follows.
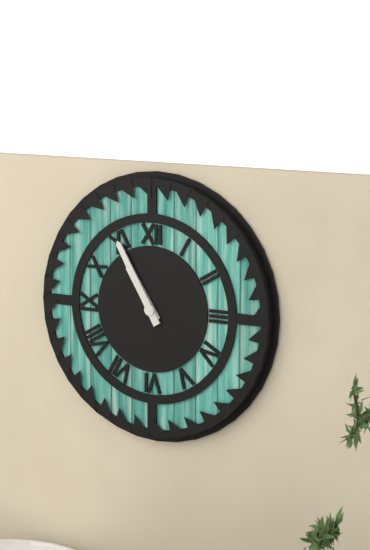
10:55
